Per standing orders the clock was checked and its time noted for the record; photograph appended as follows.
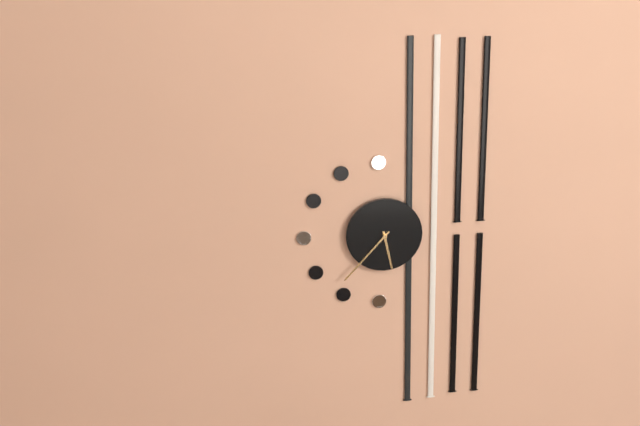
5:37
